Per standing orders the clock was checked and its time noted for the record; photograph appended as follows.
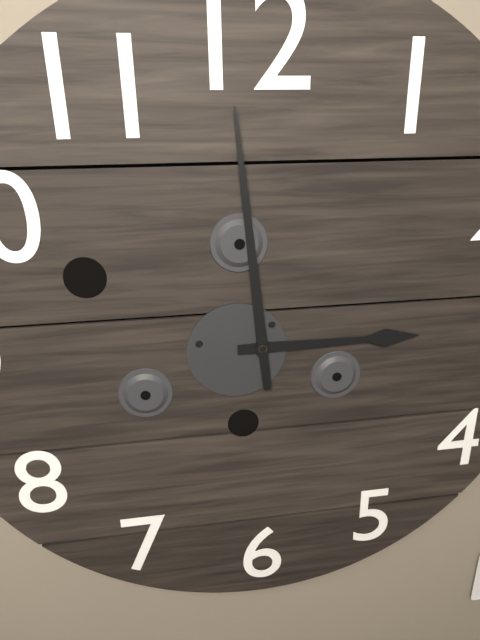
2:59
